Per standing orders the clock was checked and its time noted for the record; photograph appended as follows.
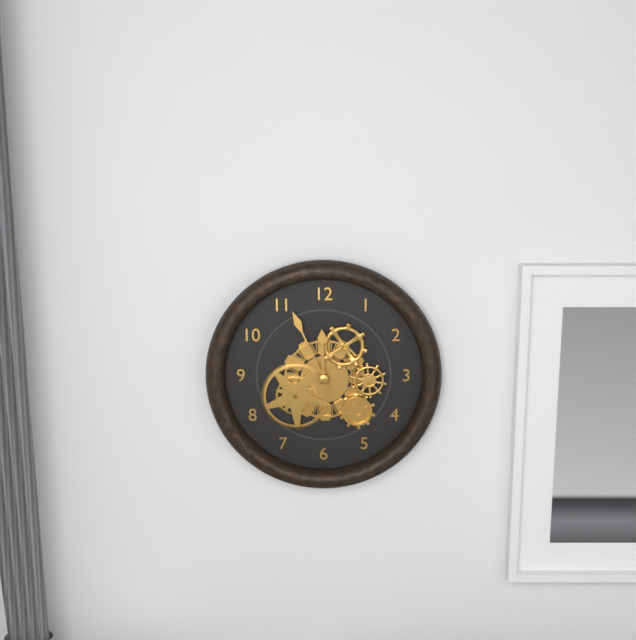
11:56
